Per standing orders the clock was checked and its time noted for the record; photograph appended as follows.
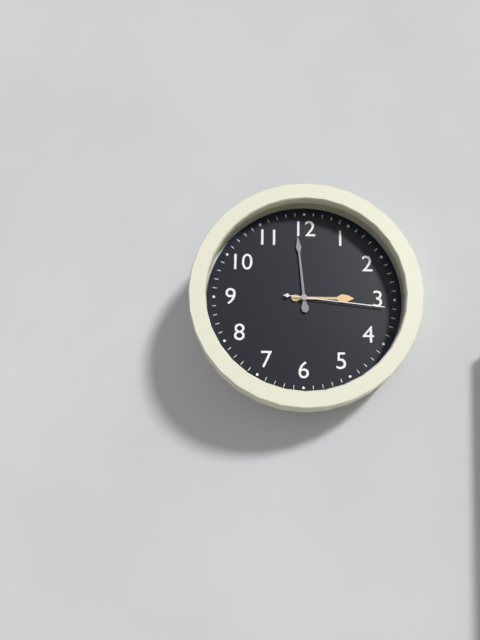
2:59:16
